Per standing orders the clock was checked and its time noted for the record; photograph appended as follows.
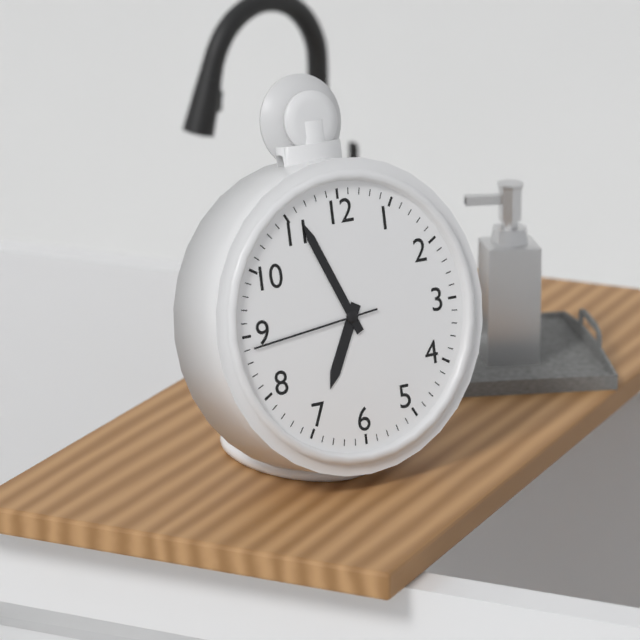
6:56:44
